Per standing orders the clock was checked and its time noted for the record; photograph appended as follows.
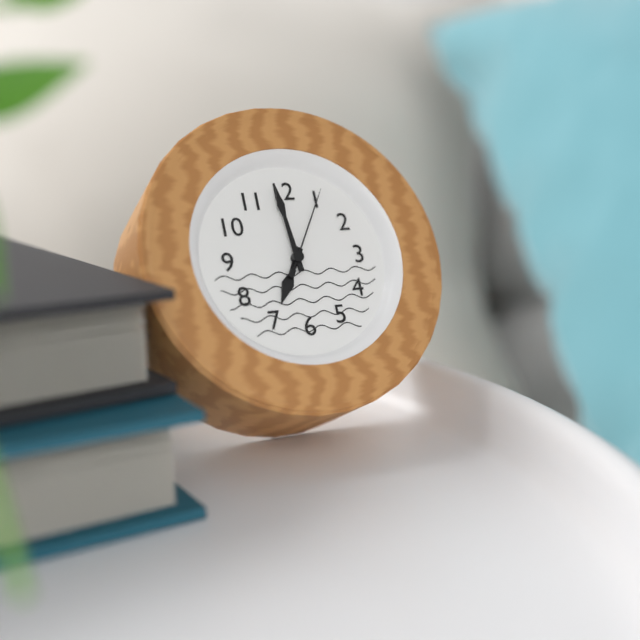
6:59:05
